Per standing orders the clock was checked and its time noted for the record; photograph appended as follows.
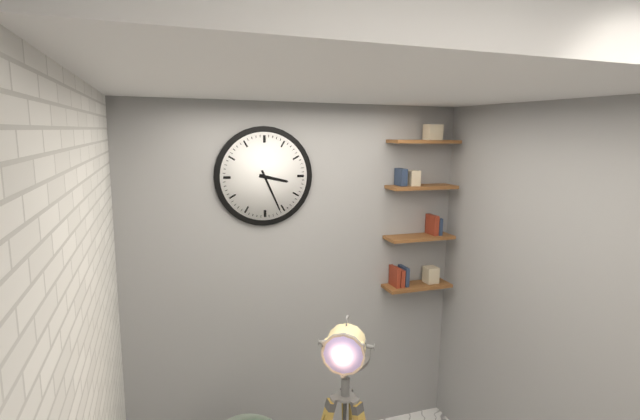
3:26
